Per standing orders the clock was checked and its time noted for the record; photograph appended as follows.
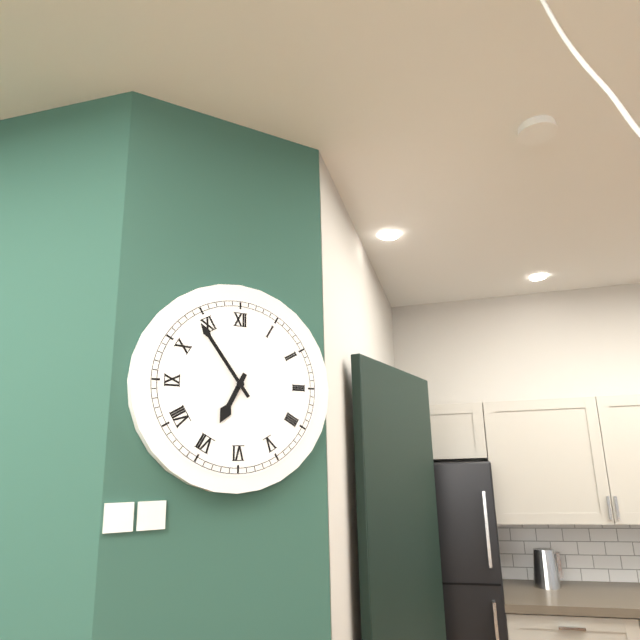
6:54
